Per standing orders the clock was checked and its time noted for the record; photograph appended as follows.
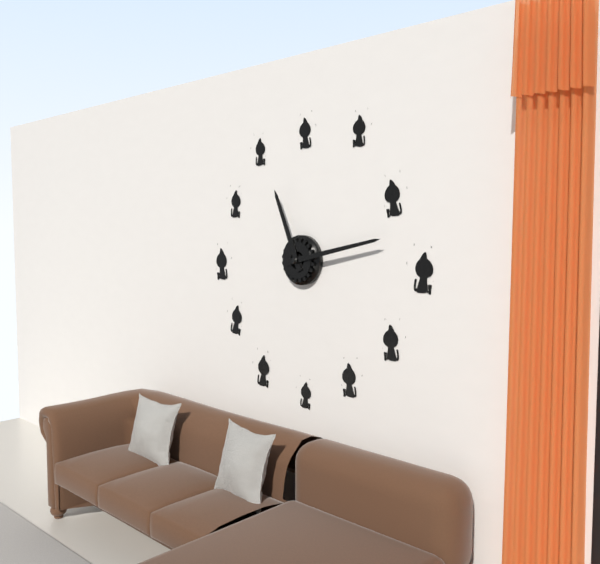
11:13
